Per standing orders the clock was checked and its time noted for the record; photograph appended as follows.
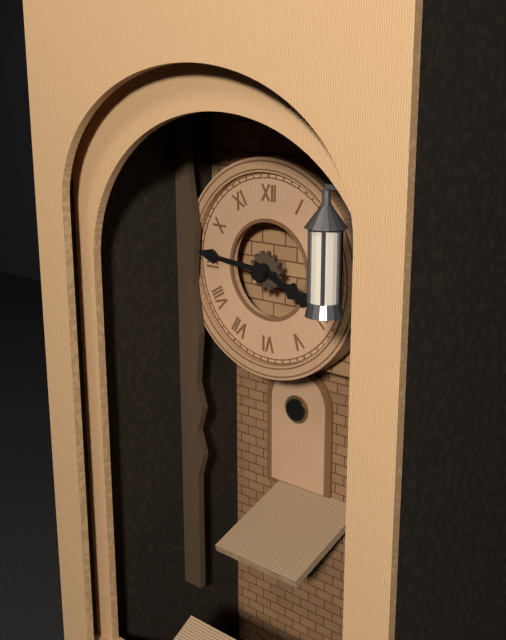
3:46
